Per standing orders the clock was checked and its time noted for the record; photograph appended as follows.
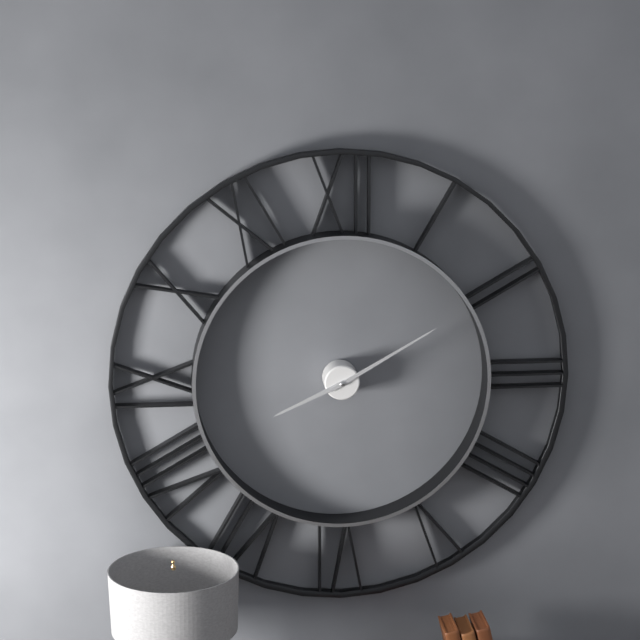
8:10
